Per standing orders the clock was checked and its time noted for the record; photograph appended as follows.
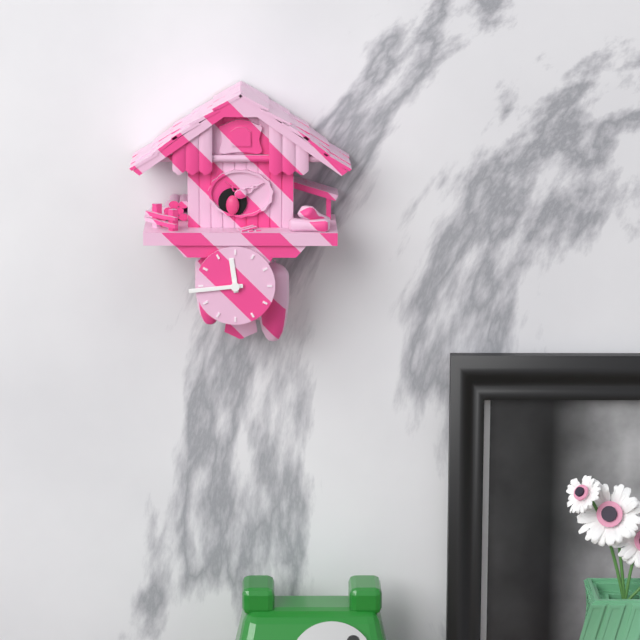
11:44
